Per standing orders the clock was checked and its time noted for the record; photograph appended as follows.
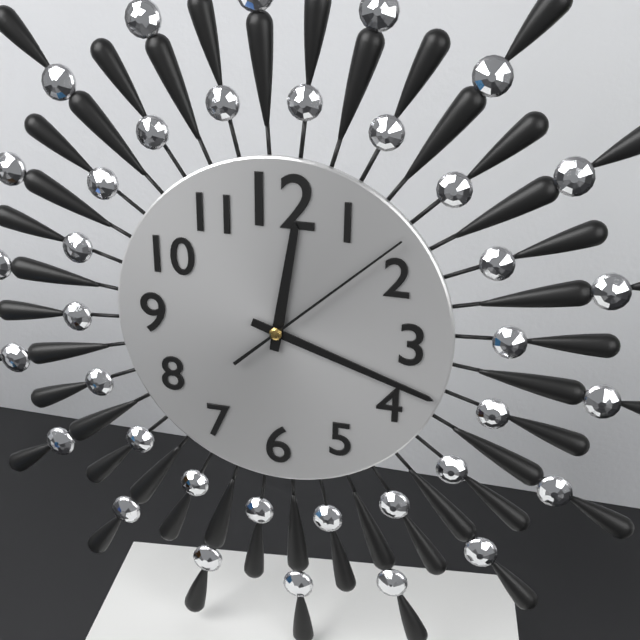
12:18:08
